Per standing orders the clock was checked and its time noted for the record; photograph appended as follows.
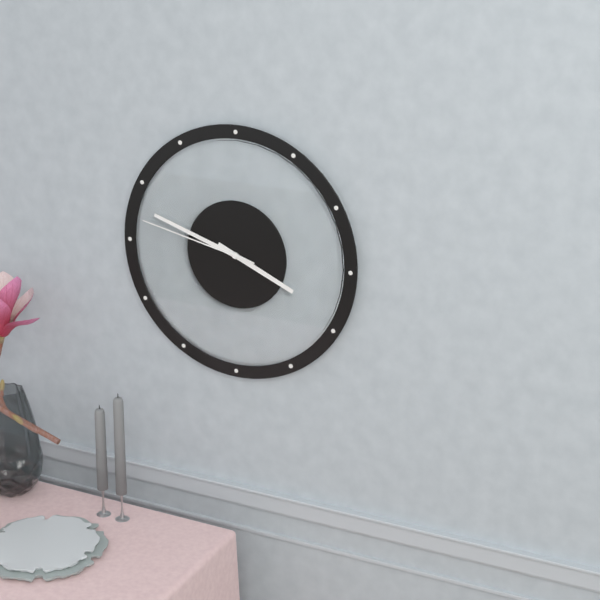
3:48:47
